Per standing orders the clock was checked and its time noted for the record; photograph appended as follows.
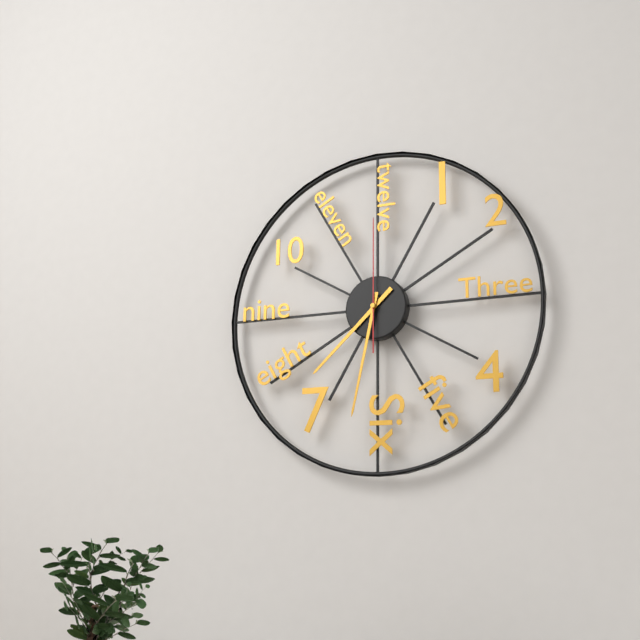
7:32:00
